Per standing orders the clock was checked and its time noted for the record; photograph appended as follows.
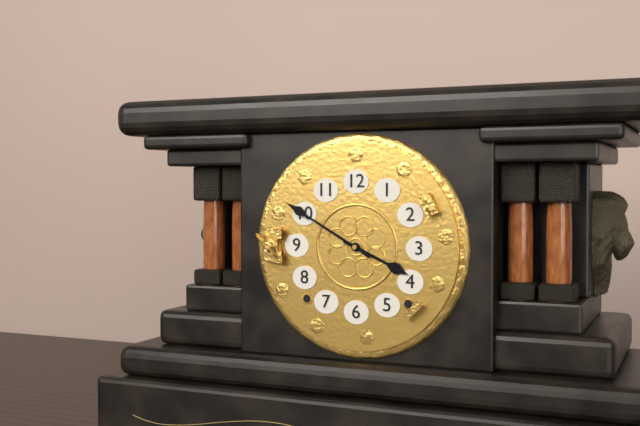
3:50
